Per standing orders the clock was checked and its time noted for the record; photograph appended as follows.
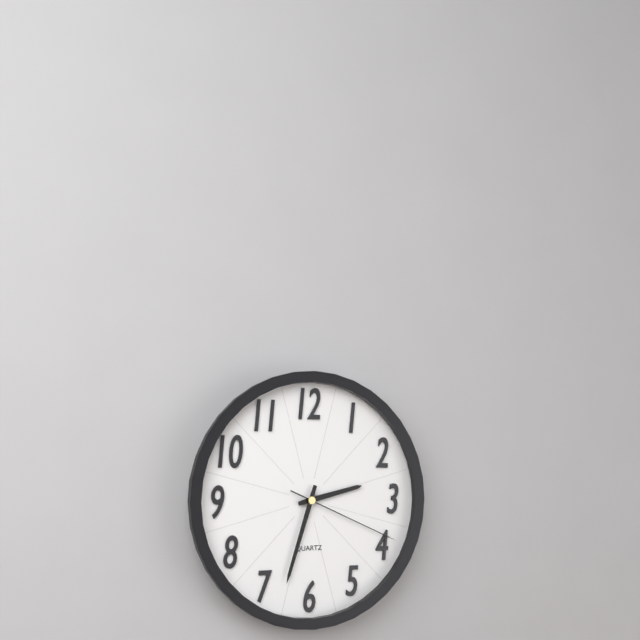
2:33:19
